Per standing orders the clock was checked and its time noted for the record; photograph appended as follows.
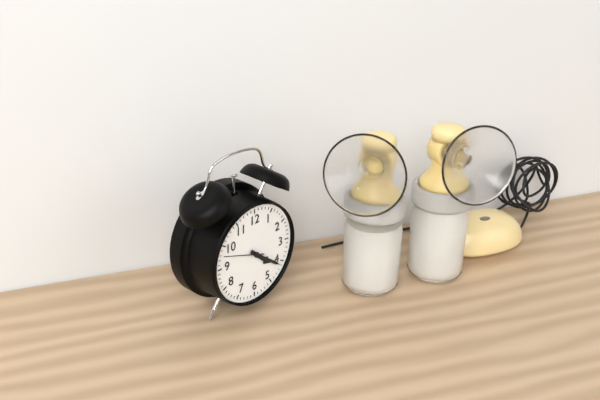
4:21
